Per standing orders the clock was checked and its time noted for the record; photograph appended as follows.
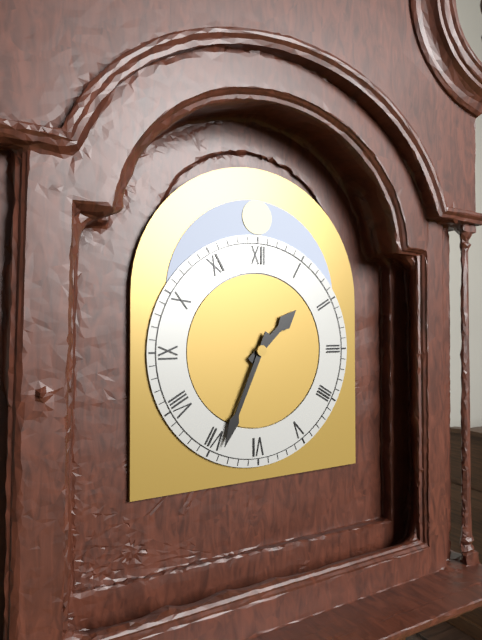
1:34
